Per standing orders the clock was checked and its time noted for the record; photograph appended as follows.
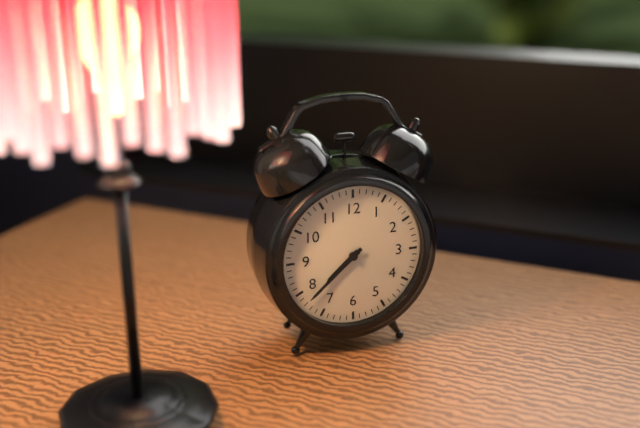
7:38
